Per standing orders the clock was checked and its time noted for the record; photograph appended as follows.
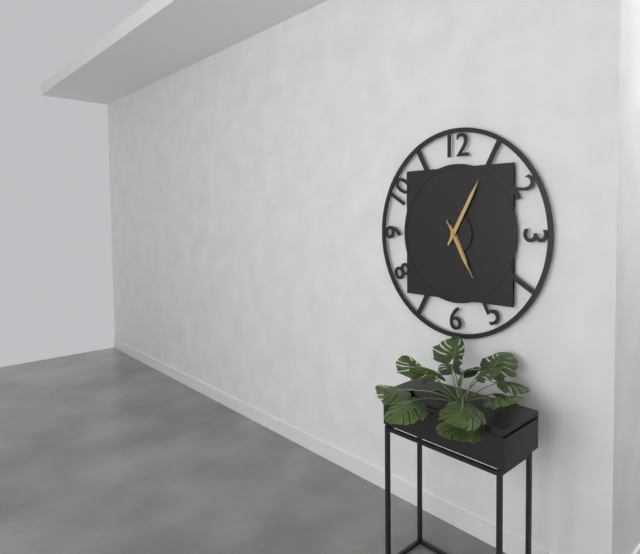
5:05:25
